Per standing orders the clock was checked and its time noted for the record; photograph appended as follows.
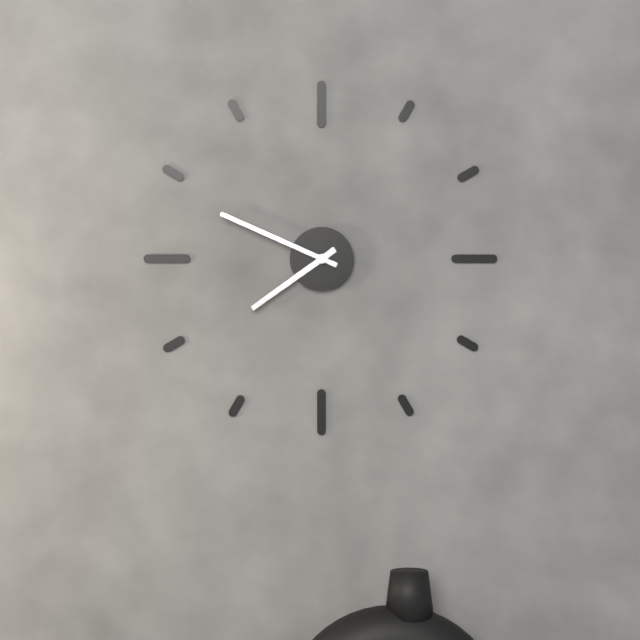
7:49
